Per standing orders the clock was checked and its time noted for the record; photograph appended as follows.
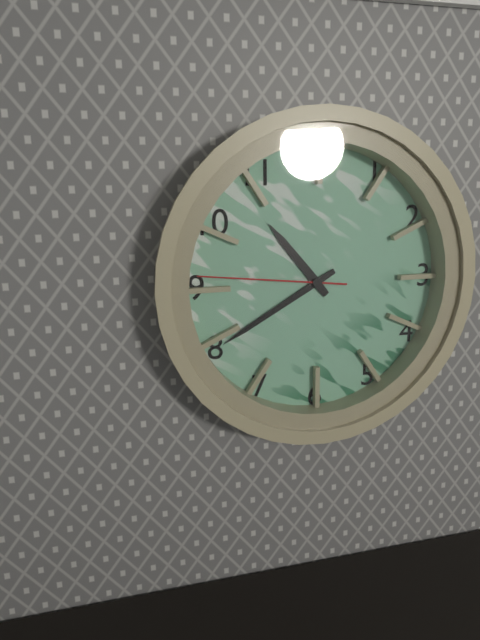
10:40:46
